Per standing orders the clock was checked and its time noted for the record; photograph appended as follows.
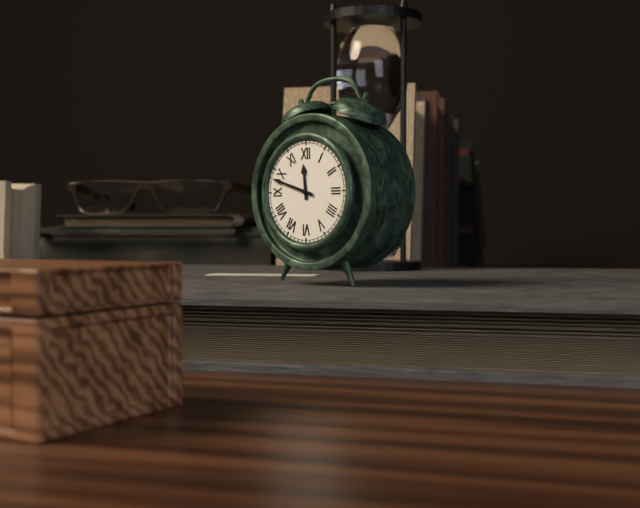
11:48
